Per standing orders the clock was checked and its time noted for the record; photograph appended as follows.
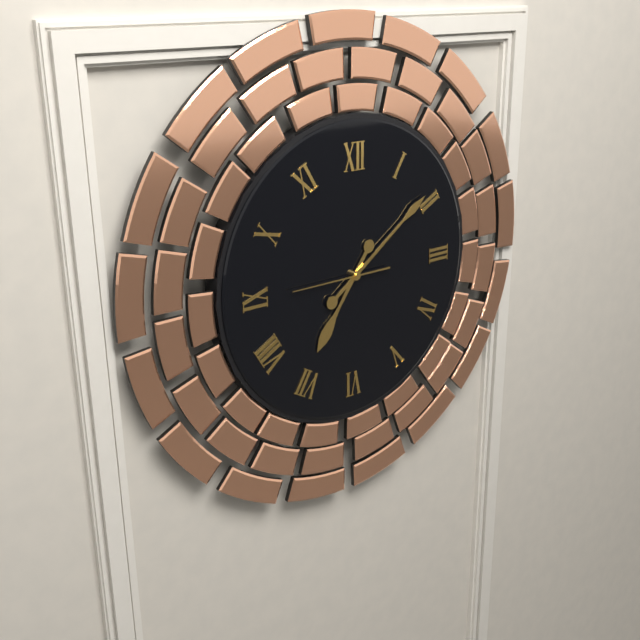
7:09:45
